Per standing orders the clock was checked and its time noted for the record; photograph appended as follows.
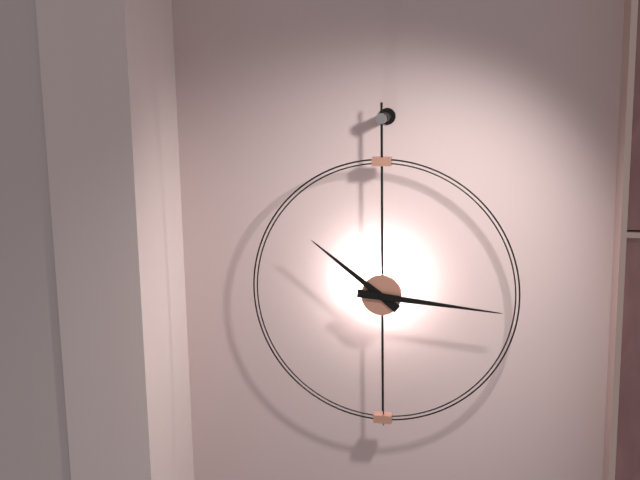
10:16
